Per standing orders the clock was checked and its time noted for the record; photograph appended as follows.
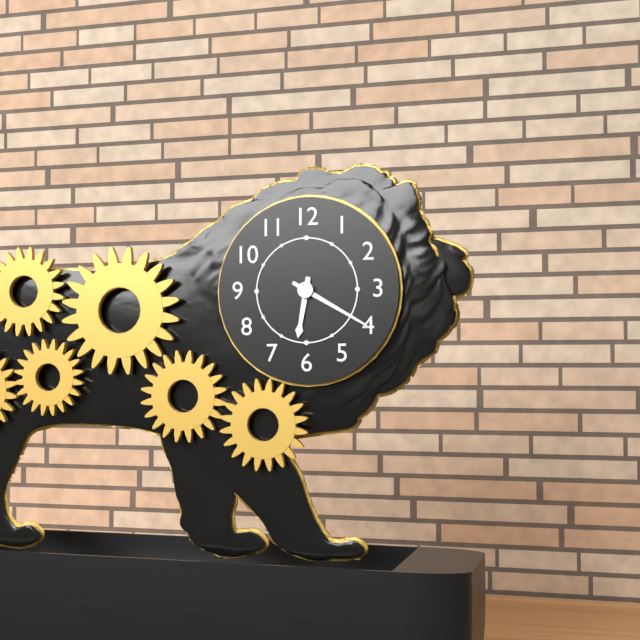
6:20
